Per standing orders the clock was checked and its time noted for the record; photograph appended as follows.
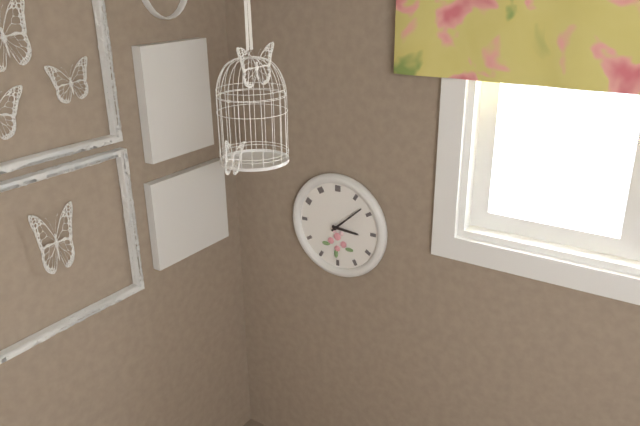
3:08
